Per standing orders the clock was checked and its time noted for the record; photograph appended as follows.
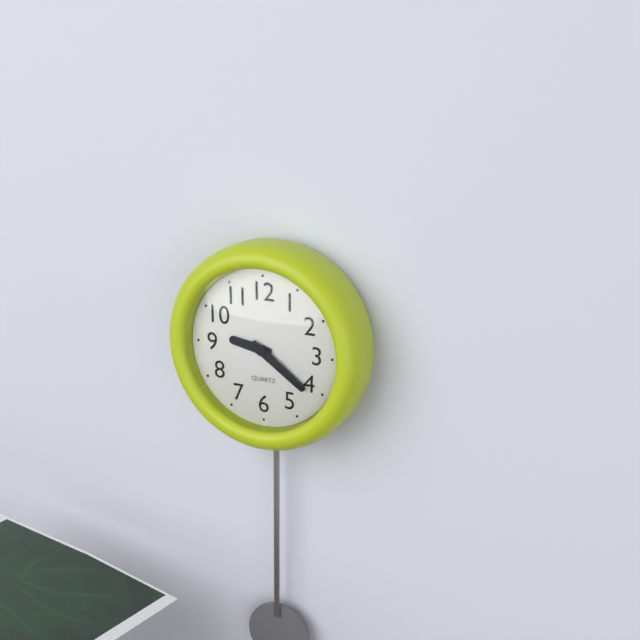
9:21
